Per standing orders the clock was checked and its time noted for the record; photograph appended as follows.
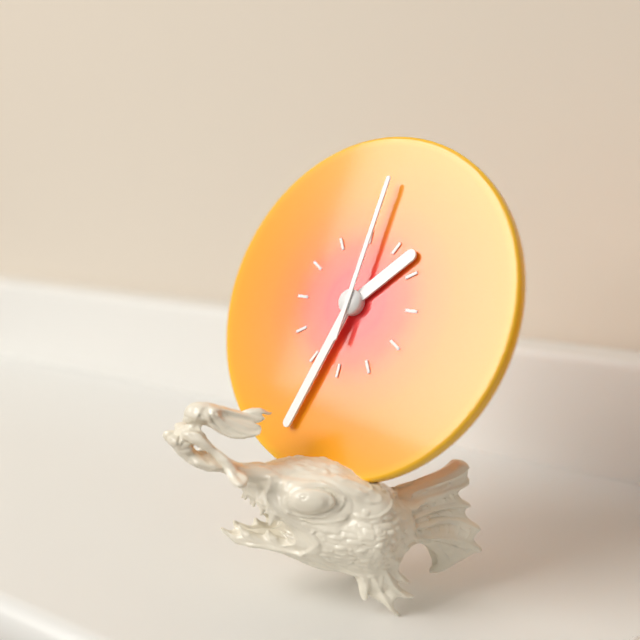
1:33:01
